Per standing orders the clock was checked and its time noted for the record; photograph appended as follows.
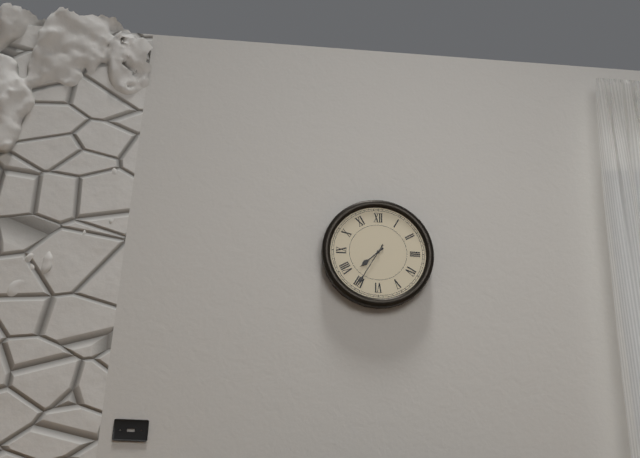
7:35
